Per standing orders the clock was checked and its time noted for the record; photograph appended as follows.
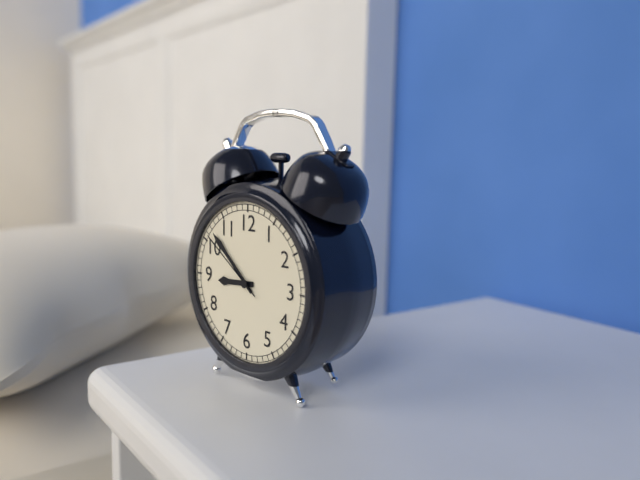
8:52:51
